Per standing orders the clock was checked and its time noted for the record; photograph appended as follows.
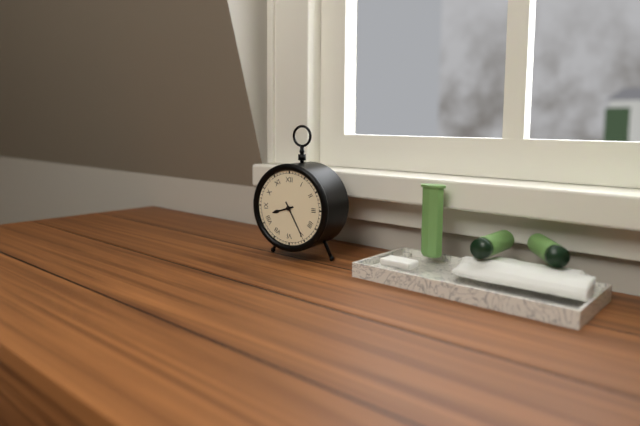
8:25
